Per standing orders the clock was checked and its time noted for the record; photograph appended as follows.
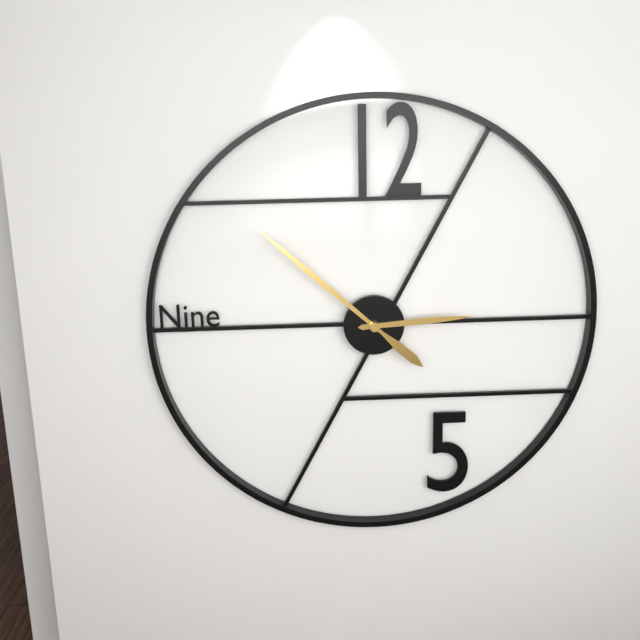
2:52
